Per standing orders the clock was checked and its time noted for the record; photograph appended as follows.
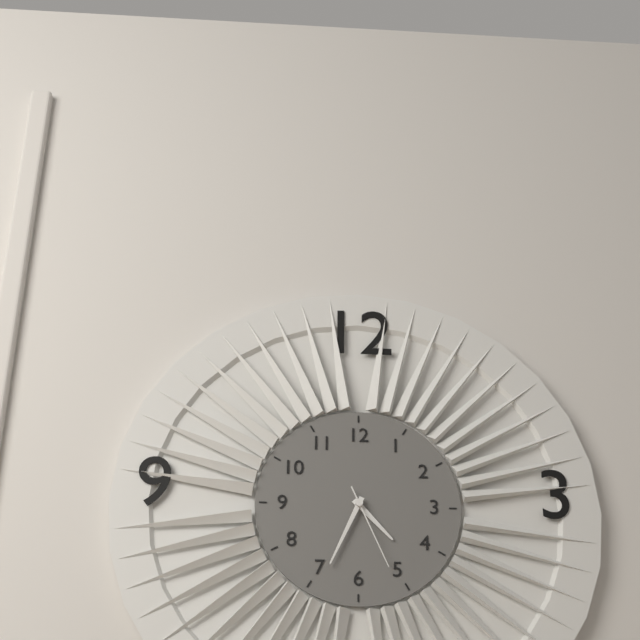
4:34:26
